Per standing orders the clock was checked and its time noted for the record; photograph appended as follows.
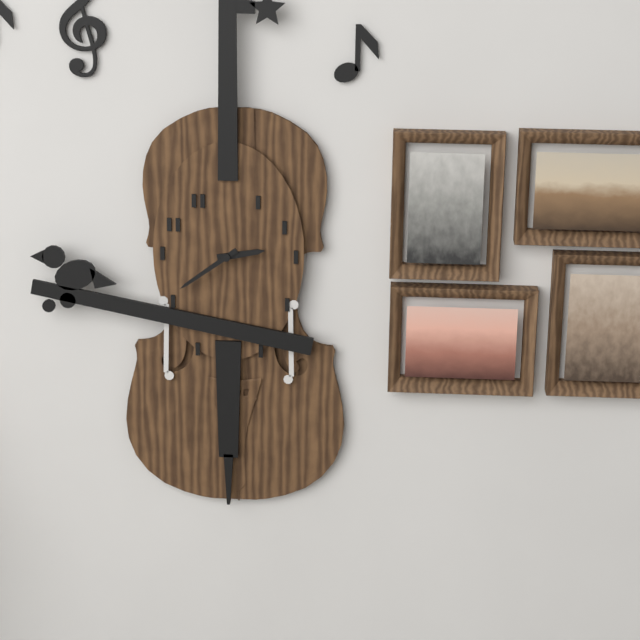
2:39
